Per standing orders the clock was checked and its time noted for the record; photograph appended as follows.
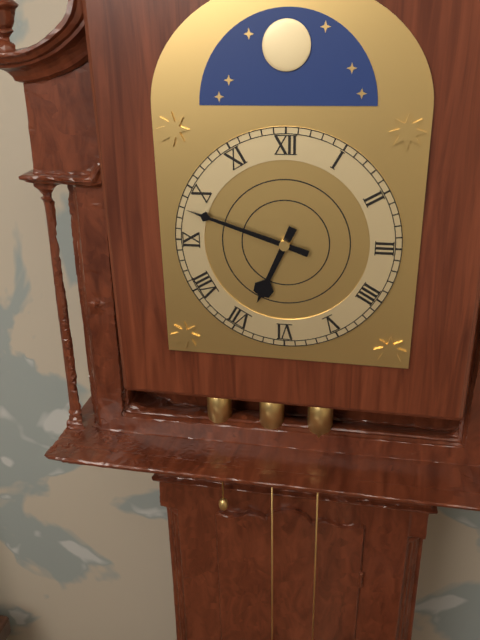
6:48
